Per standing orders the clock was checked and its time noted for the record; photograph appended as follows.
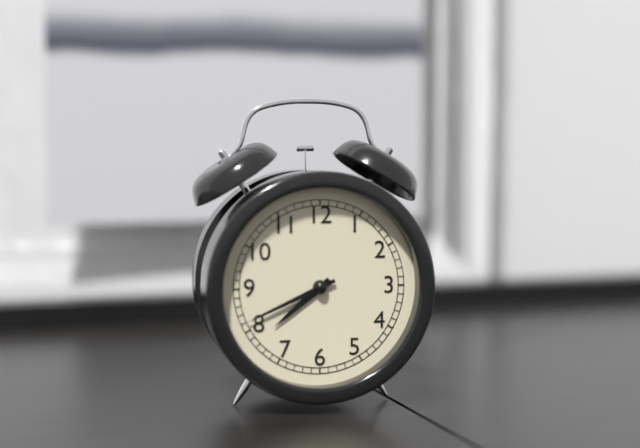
7:41
